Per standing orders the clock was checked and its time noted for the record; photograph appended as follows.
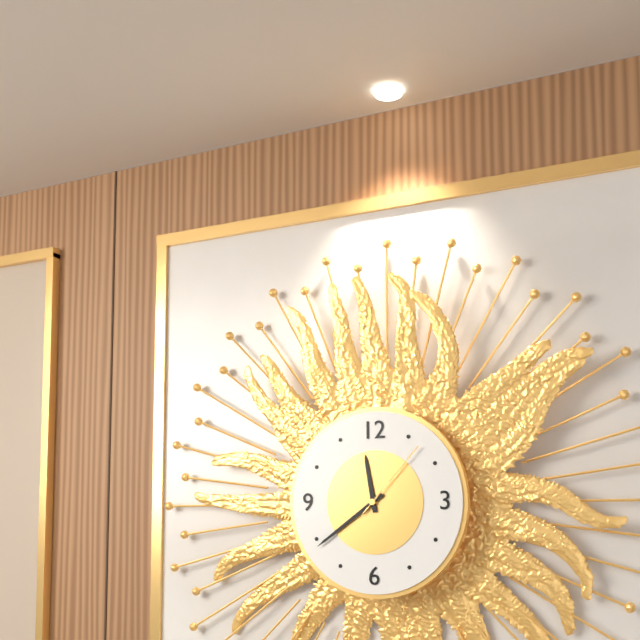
11:39:07
